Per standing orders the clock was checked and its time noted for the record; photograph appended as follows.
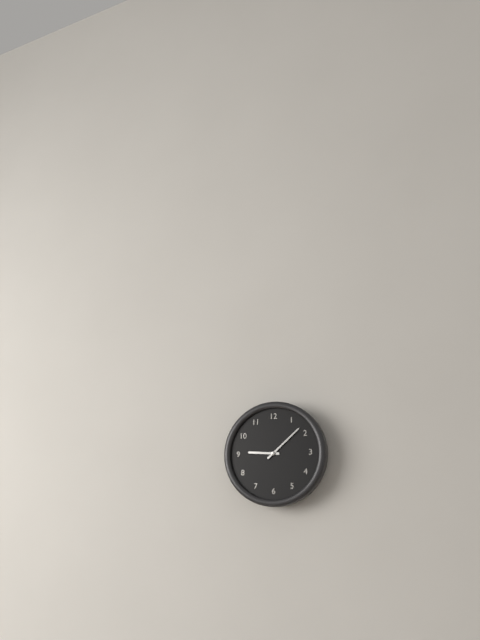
9:08
